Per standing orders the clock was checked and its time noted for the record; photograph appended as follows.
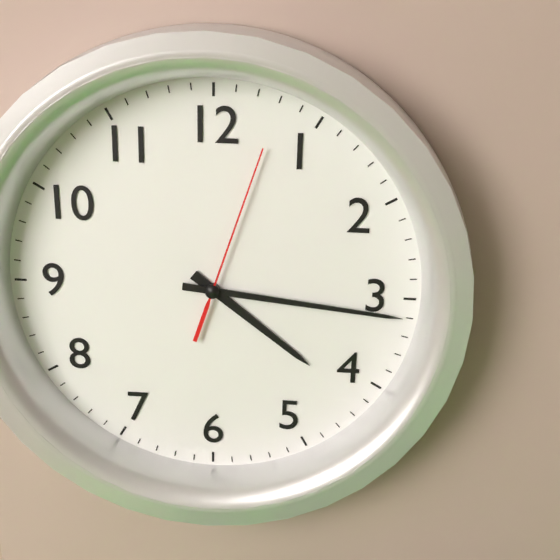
4:16:03
